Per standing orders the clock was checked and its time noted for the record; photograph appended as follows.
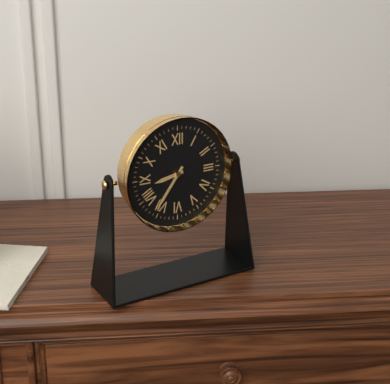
8:36
